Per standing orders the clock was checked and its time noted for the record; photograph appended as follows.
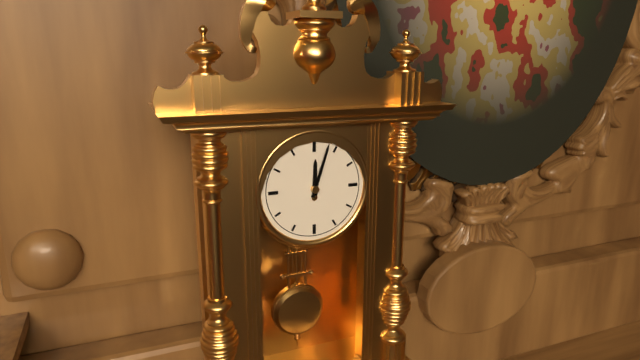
12:03
